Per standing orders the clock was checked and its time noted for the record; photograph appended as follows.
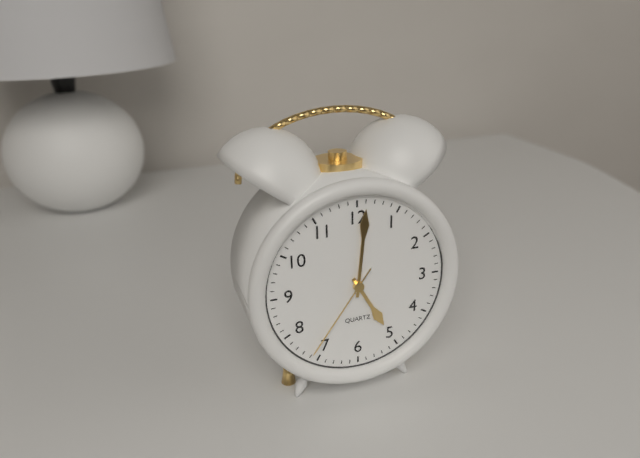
5:01:36
